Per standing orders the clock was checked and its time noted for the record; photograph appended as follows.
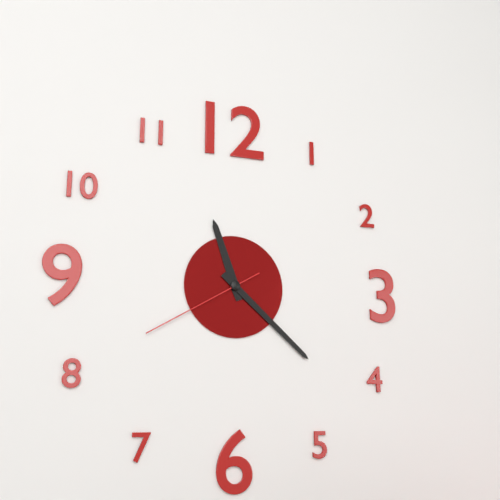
11:22:40
